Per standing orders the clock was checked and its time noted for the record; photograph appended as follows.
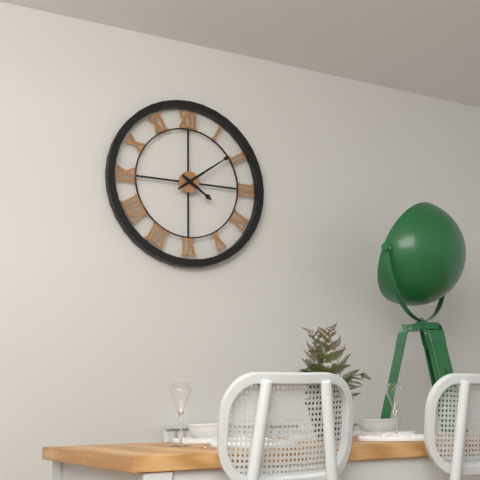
4:09
